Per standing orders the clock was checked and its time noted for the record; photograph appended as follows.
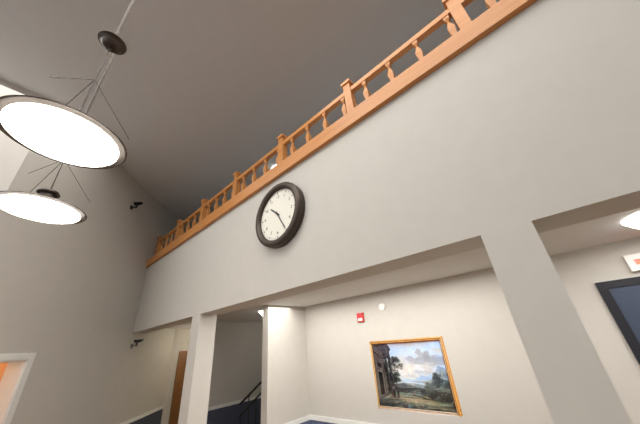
10:25
